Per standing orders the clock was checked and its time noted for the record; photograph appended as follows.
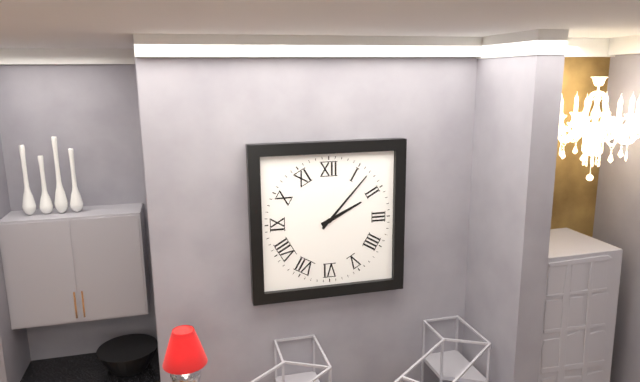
2:07
